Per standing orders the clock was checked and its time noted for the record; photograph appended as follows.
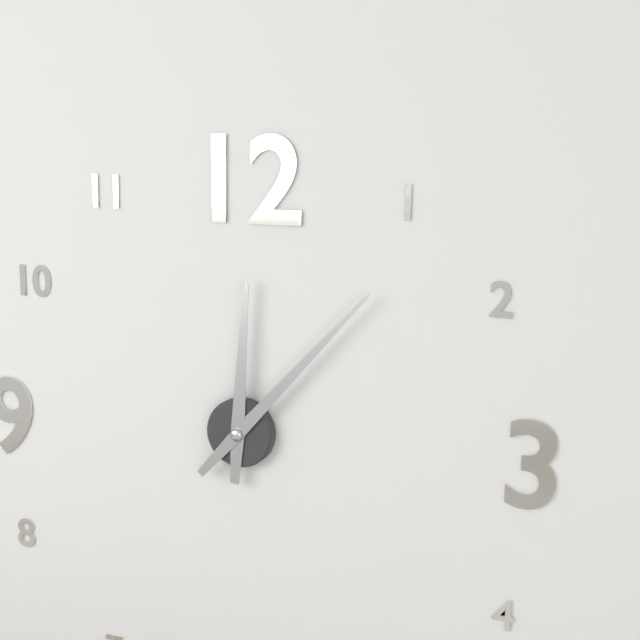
12:07
